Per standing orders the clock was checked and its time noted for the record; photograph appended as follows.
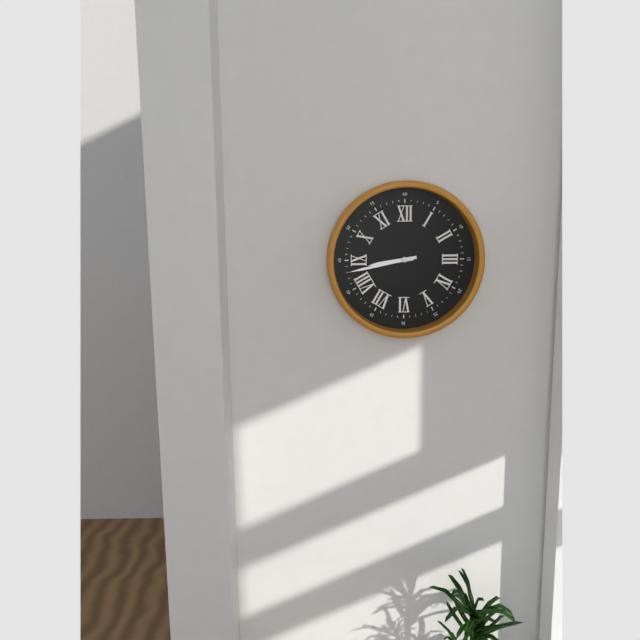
8:43
